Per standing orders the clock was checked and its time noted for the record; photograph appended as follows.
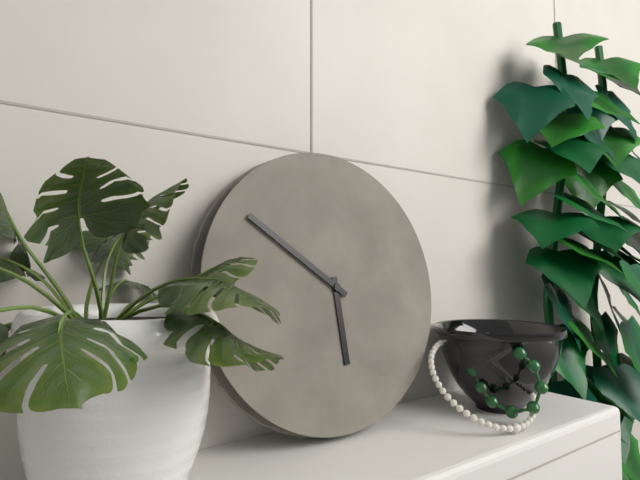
5:51
